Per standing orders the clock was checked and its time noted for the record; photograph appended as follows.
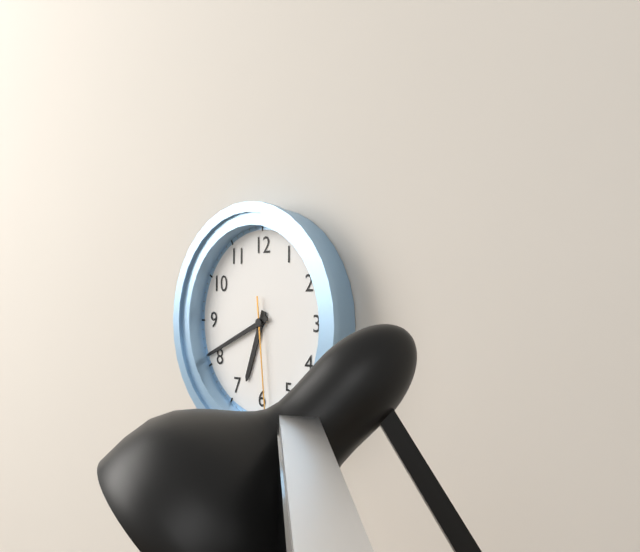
6:41:29
